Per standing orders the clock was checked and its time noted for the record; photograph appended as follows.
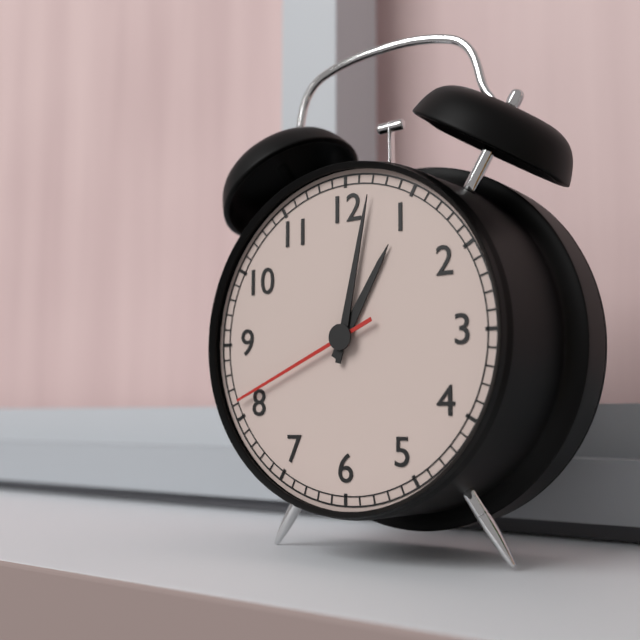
1:02:41
